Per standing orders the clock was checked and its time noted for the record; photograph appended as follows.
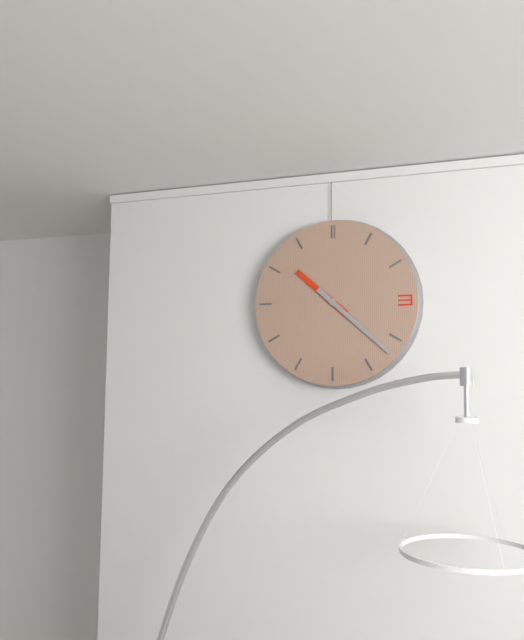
10:22
